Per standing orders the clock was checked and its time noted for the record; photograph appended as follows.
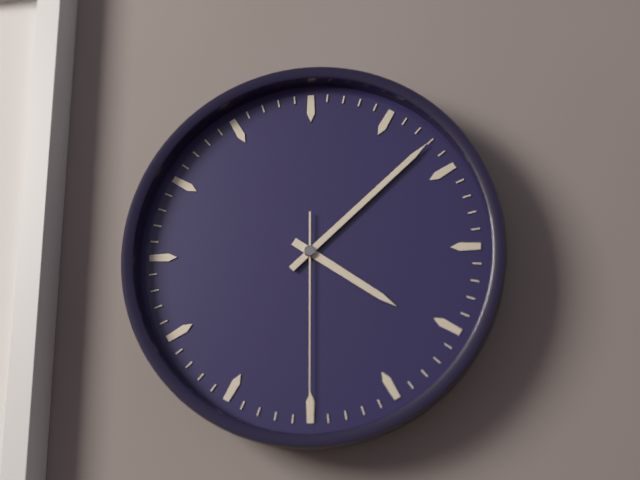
4:08:30
